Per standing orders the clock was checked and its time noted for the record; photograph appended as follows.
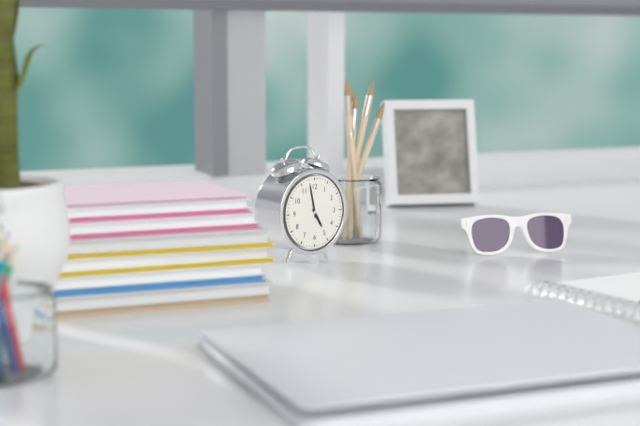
4:58
